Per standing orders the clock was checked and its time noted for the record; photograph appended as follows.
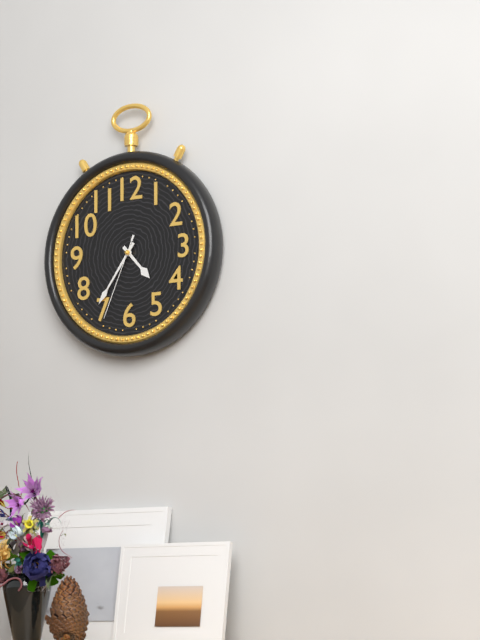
4:36:34
